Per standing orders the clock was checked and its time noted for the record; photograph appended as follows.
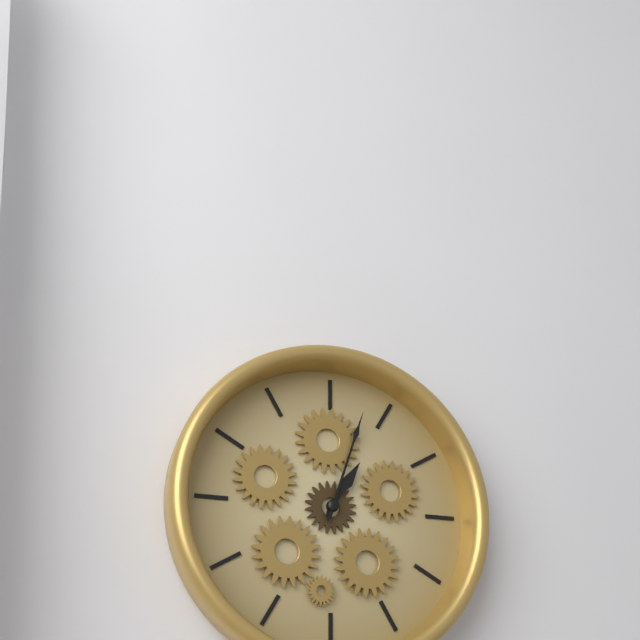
1:03
